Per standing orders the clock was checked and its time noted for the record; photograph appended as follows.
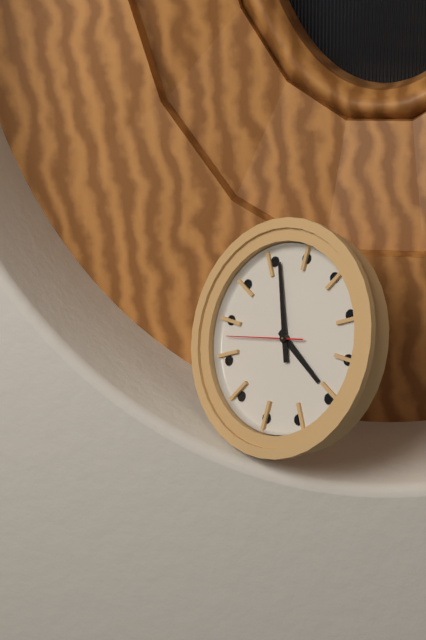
3:56:43
